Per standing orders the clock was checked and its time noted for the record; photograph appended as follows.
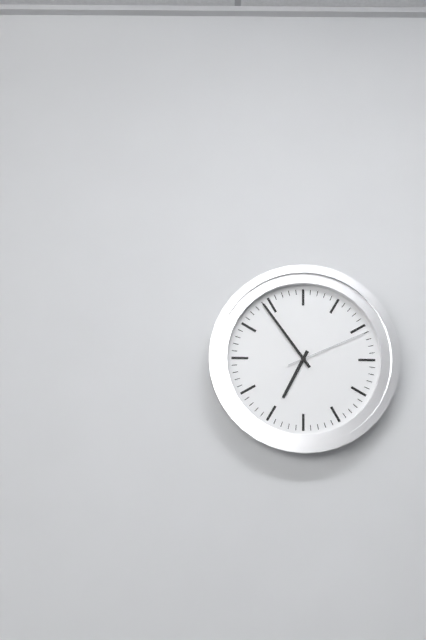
6:54:11
